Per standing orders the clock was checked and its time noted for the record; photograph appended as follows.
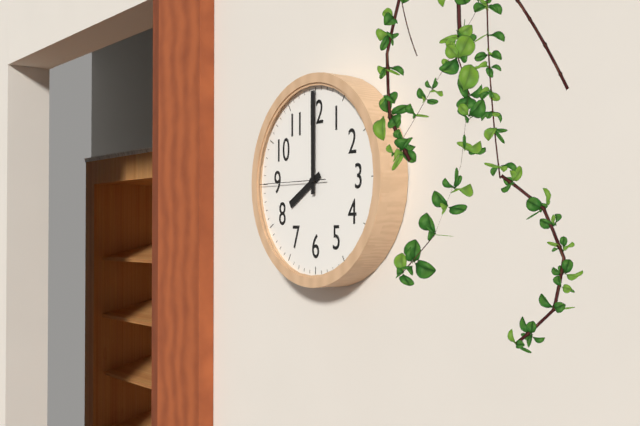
8:00:45
